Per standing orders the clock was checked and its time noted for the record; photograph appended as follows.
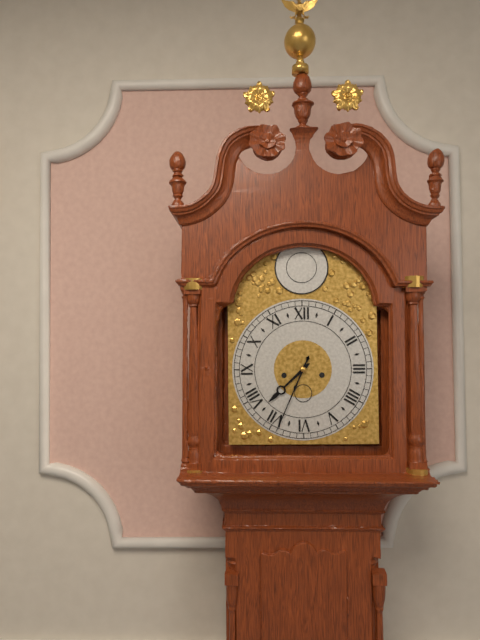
7:34
